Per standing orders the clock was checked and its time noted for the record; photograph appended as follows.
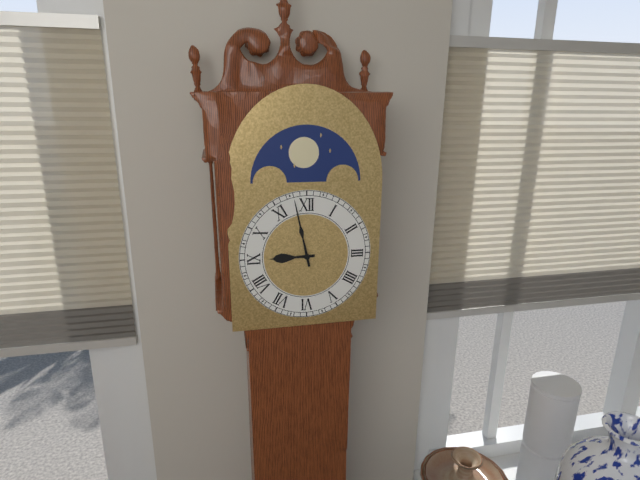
8:58
